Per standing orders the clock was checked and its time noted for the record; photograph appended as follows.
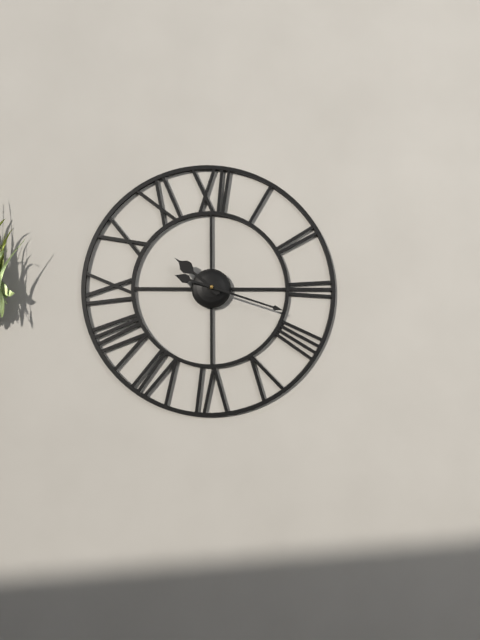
10:18
